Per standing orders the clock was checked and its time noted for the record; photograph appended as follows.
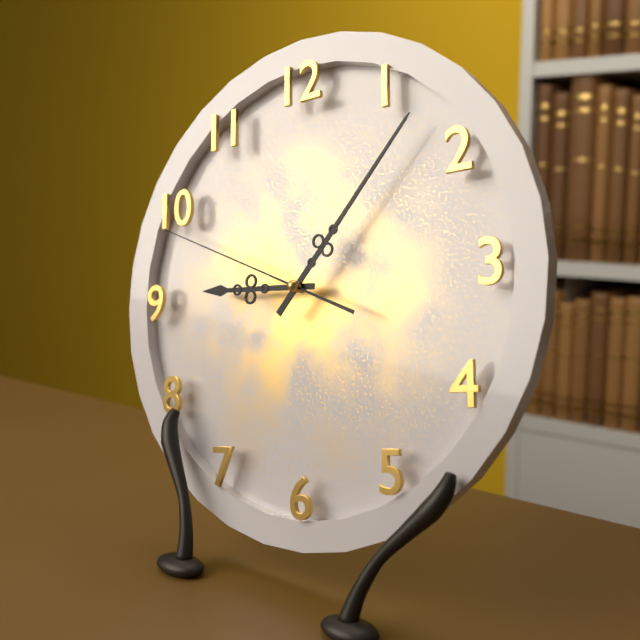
9:07:49
